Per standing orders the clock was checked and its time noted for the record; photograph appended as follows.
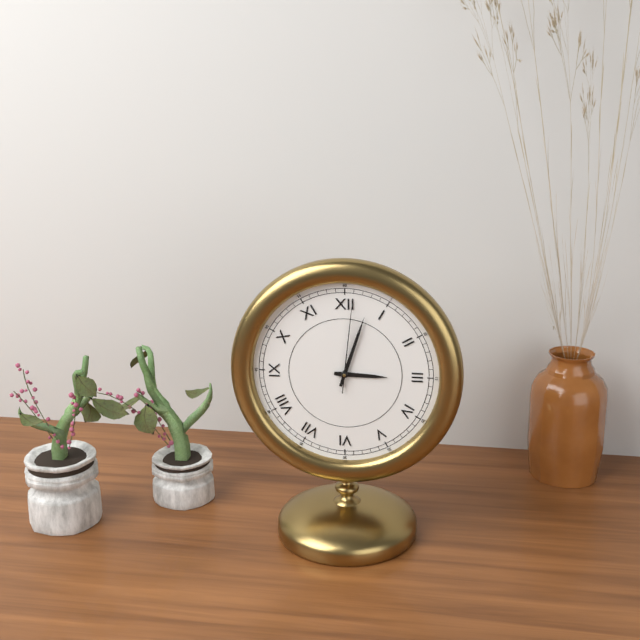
3:03:01
